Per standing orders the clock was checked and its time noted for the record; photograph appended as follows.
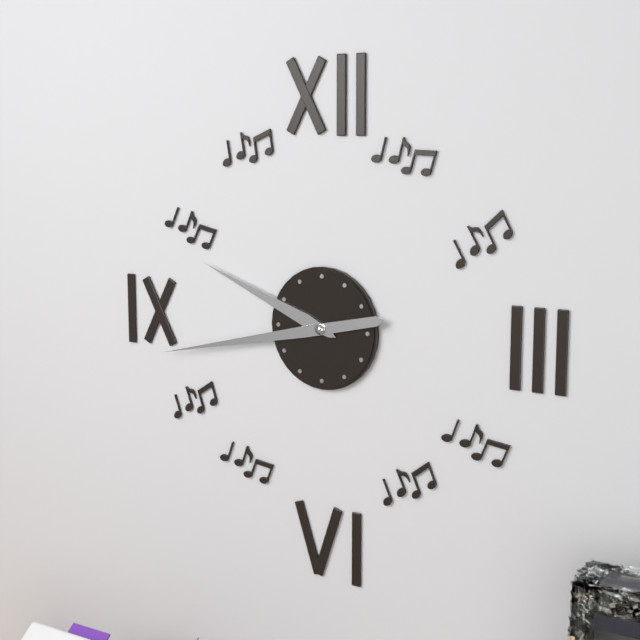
9:43
